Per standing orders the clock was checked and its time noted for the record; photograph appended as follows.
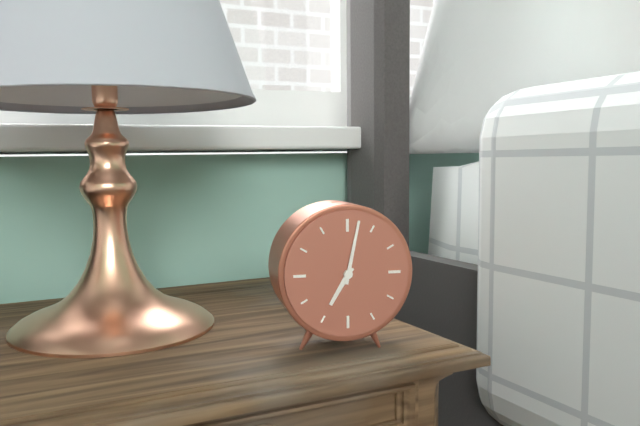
7:02
